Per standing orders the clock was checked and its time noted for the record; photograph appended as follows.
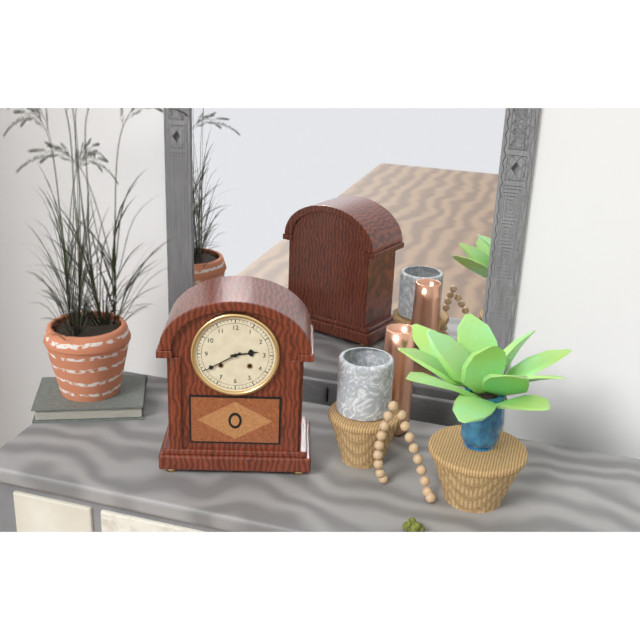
2:40
